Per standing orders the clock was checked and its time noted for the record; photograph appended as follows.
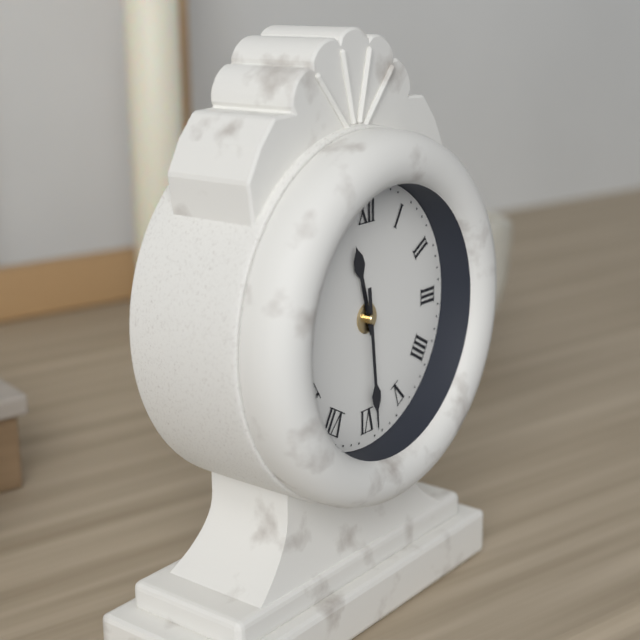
11:29
